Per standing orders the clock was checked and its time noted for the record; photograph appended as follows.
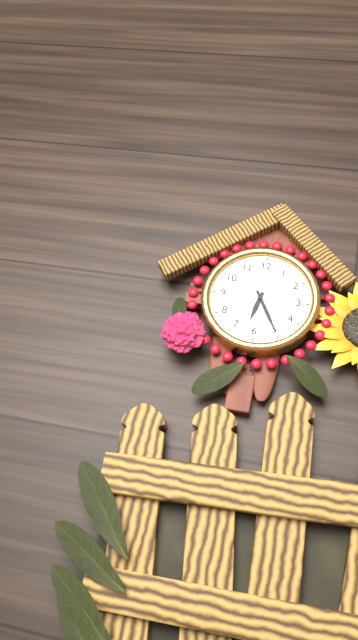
6:25
